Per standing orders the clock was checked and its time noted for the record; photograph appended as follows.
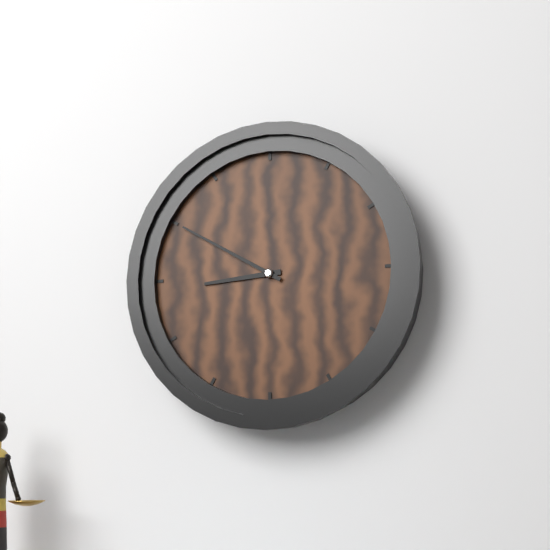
8:50
